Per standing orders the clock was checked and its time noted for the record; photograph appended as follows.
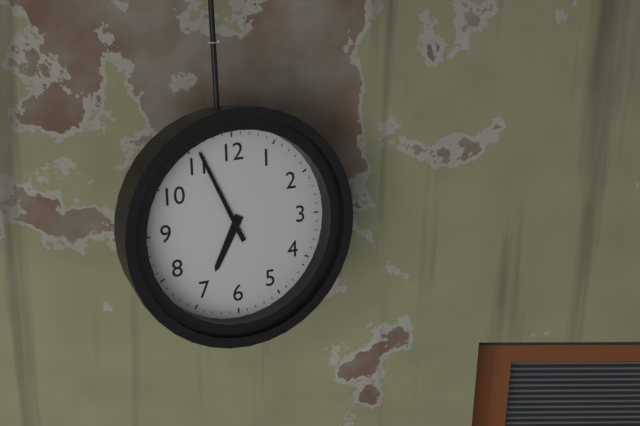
6:56
